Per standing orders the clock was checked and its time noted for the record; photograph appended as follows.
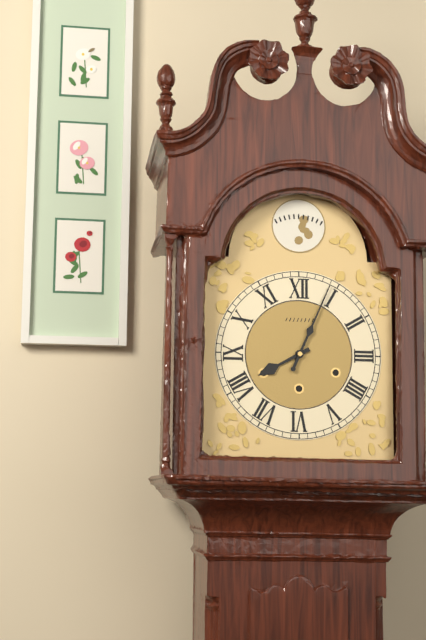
8:04
